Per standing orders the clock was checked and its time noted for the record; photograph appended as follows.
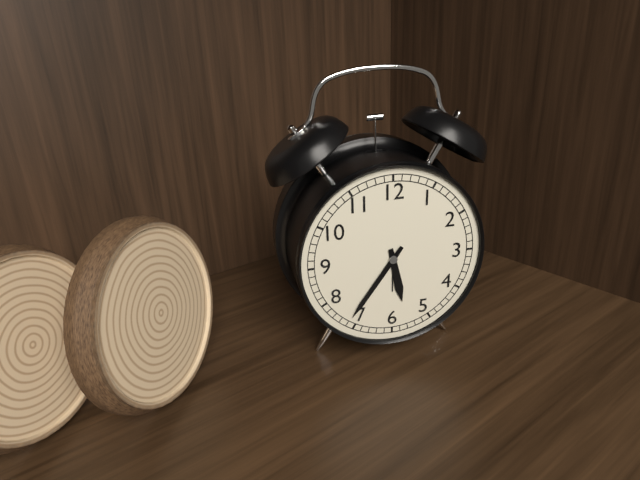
5:36
